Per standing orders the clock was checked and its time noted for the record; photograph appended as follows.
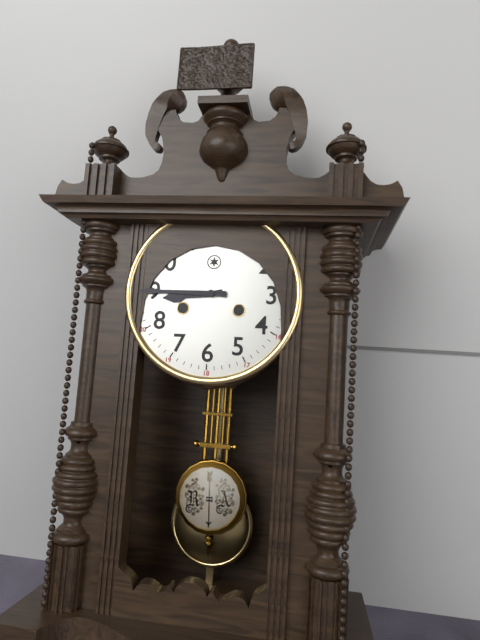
8:45
